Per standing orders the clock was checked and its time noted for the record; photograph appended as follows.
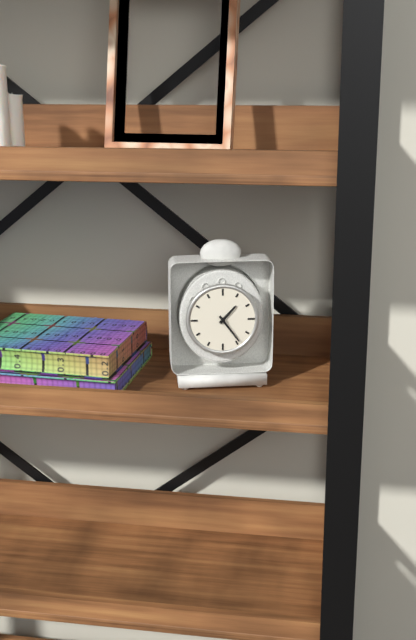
1:24
